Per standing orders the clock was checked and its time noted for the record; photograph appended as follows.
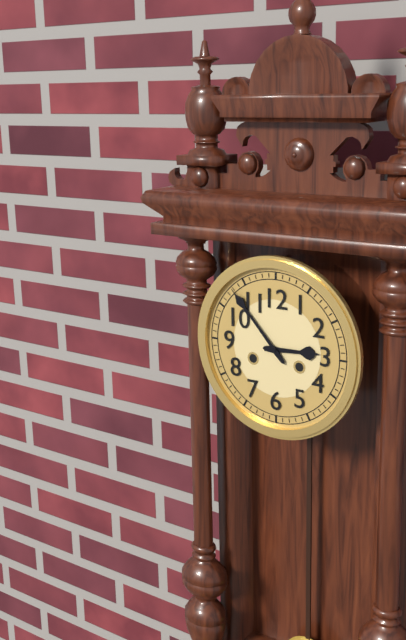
2:53
